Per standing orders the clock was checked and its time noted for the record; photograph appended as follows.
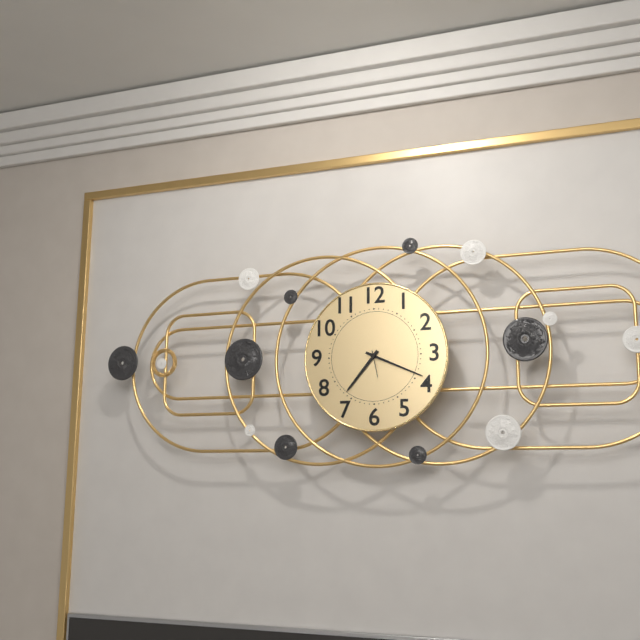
7:19
